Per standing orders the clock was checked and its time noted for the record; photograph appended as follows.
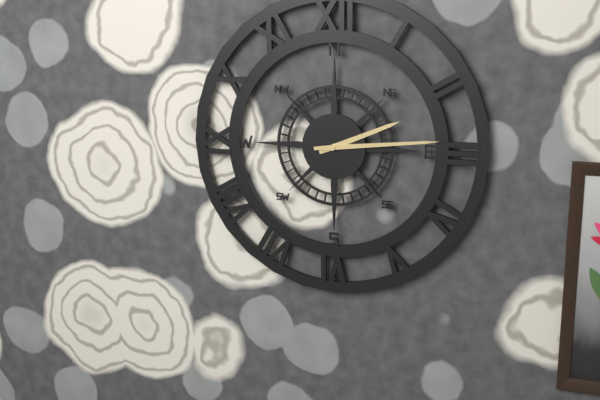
2:14
